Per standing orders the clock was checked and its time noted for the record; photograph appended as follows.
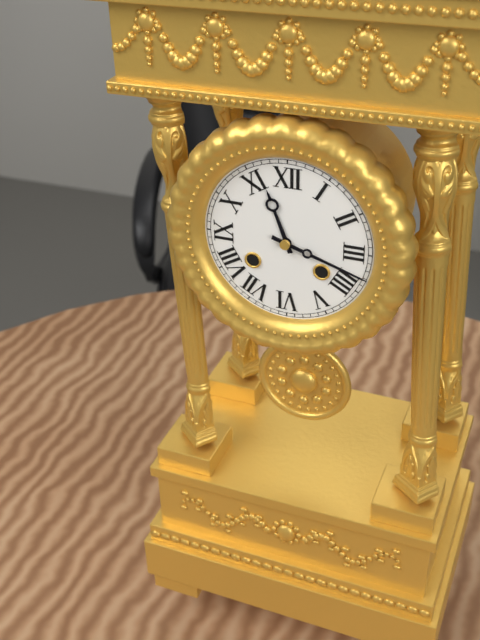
11:18
